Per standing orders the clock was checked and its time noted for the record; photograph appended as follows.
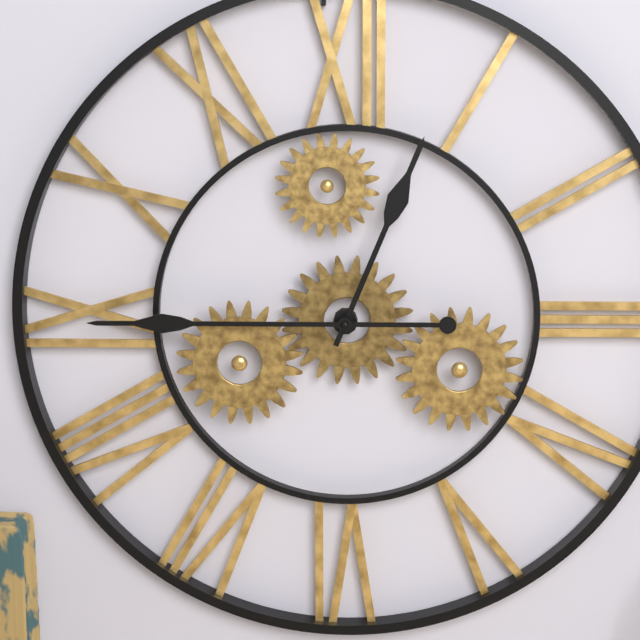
12:45
